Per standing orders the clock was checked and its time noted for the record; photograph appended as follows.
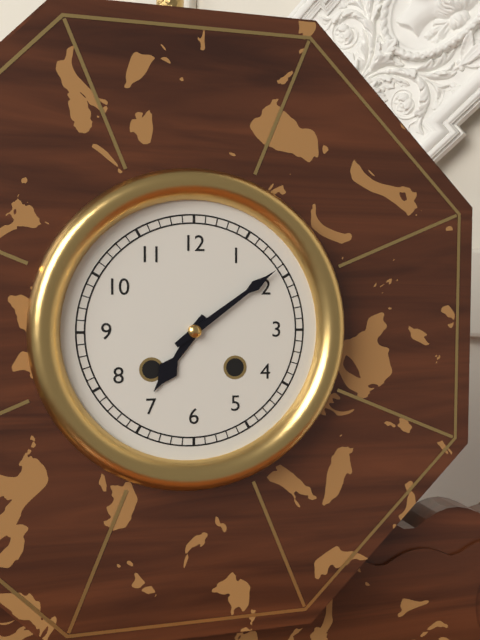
7:09
